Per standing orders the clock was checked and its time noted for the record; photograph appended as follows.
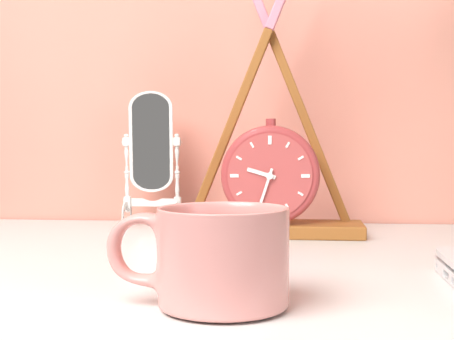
9:33
